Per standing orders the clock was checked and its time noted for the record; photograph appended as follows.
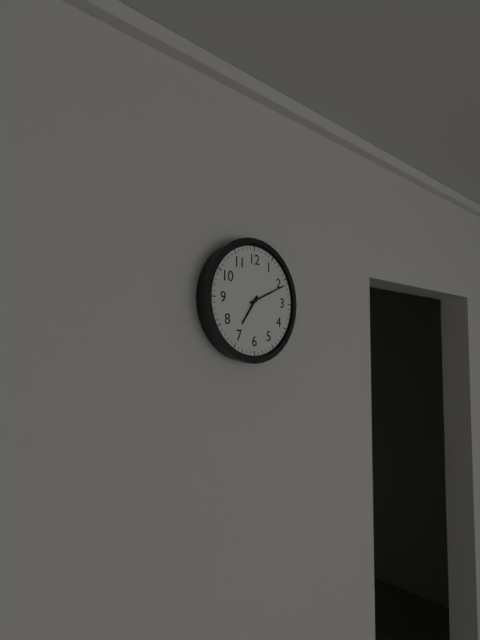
7:11
